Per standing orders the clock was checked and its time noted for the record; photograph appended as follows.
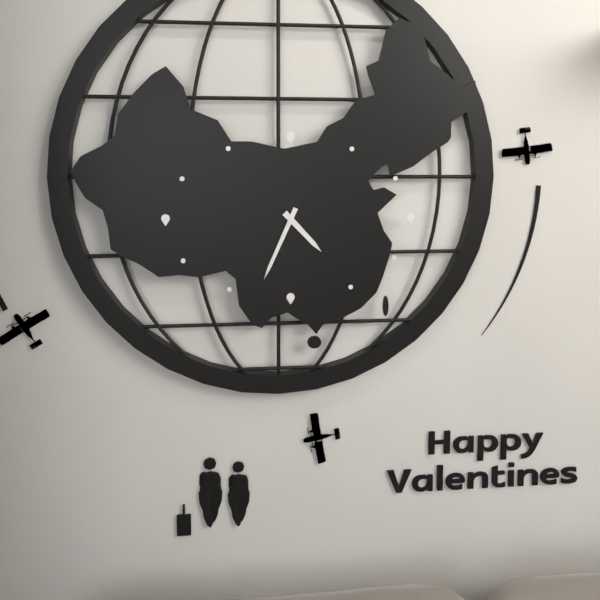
4:34
